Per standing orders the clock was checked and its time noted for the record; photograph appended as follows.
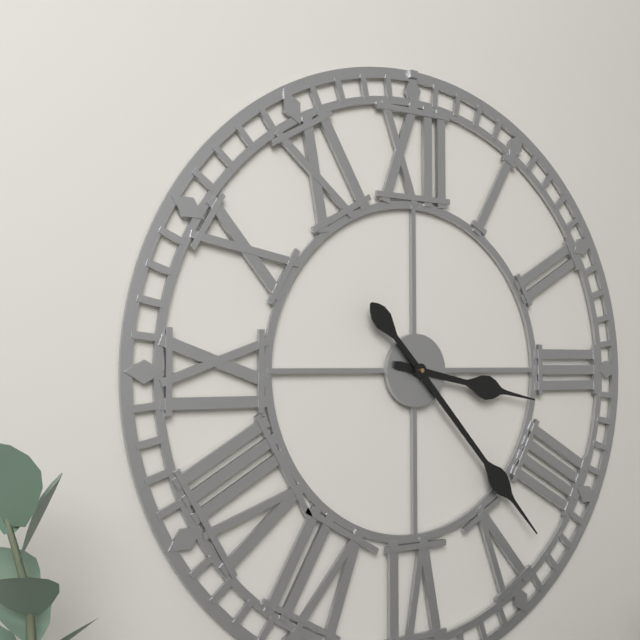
3:23
